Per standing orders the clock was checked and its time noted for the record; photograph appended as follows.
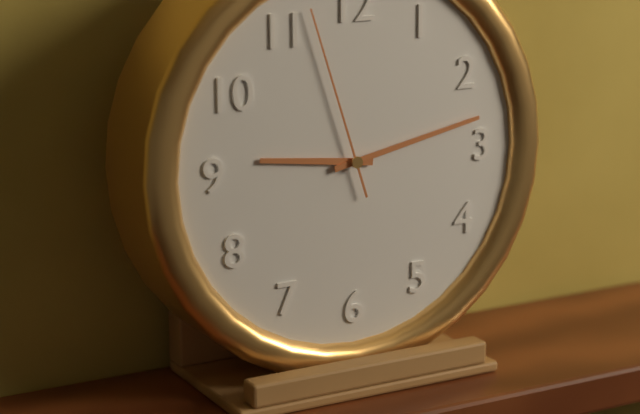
9:13:57
